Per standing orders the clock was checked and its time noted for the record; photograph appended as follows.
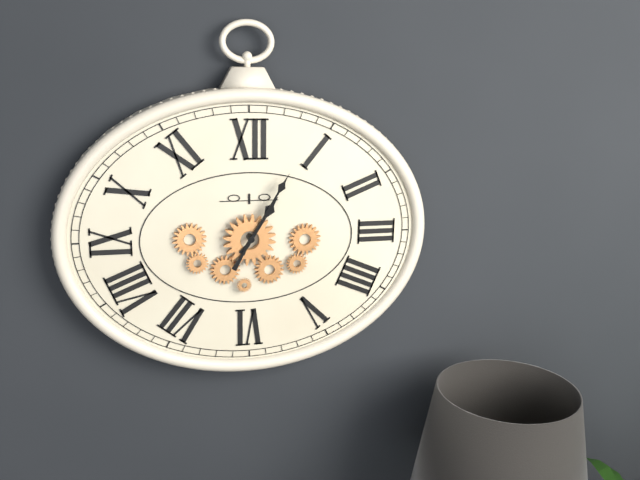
1:05
